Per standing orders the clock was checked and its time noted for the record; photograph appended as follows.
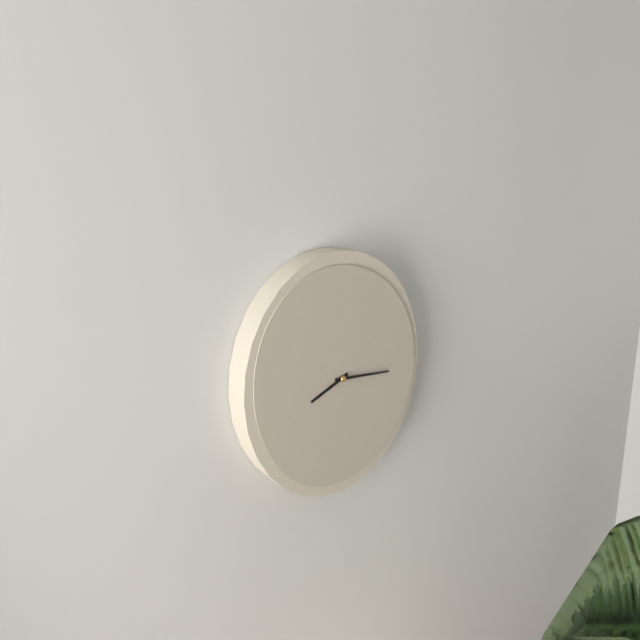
8:16
